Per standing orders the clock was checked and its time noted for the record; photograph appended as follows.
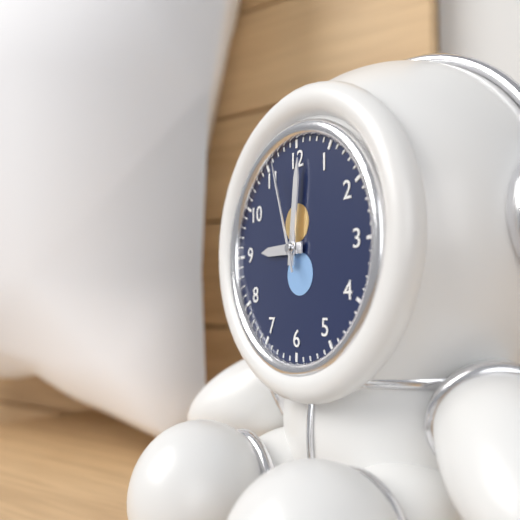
9:01:57
